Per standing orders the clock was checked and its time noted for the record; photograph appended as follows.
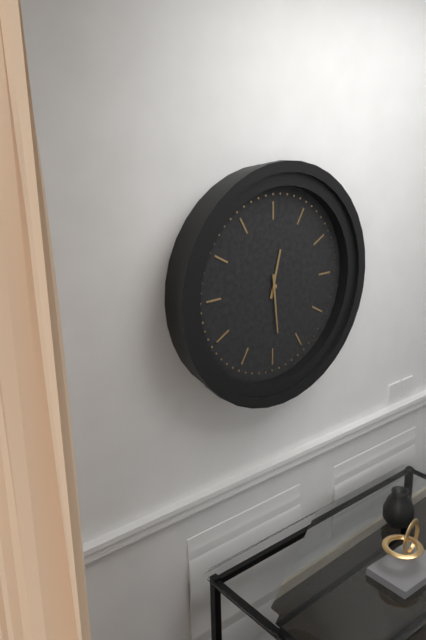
12:29
